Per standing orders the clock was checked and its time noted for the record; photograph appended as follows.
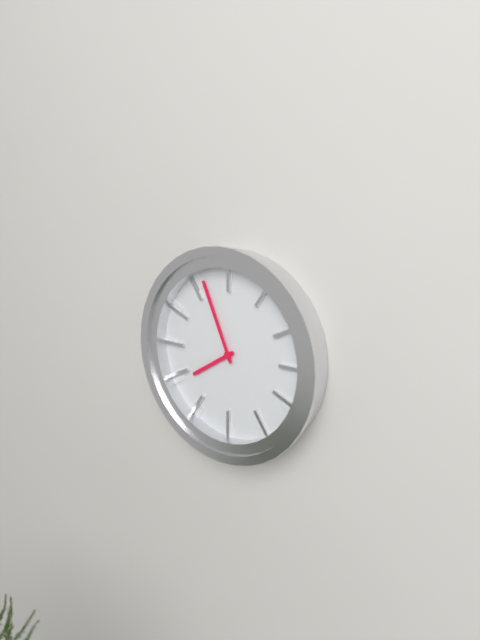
7:56
